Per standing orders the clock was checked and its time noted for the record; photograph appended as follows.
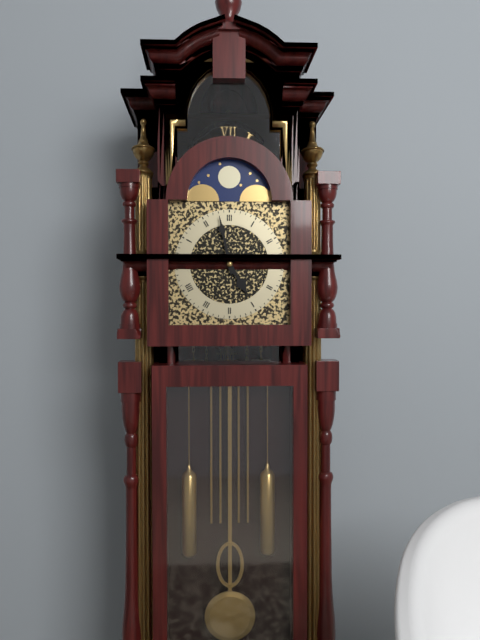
4:58
